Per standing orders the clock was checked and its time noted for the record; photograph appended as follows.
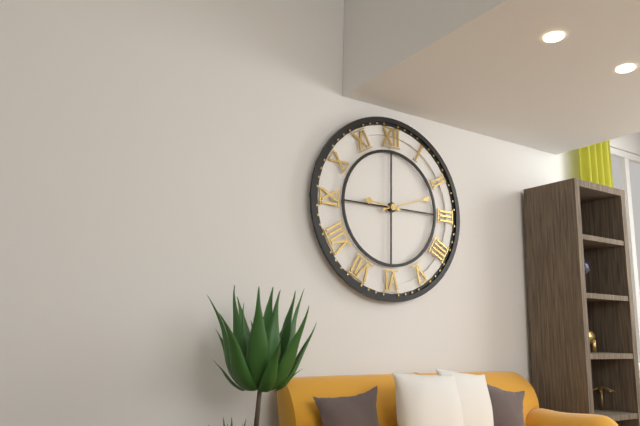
9:12
